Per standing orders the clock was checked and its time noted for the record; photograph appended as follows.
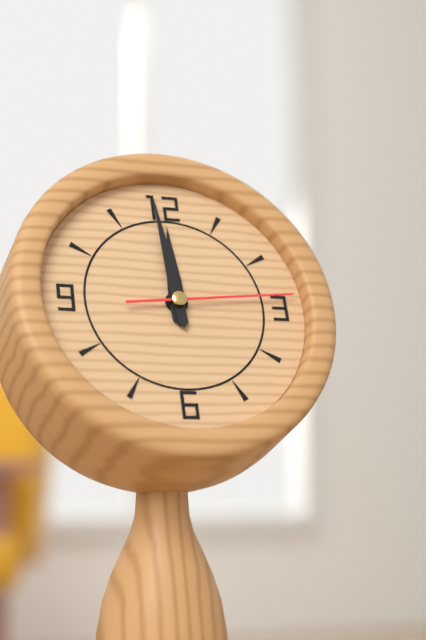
11:59:14
